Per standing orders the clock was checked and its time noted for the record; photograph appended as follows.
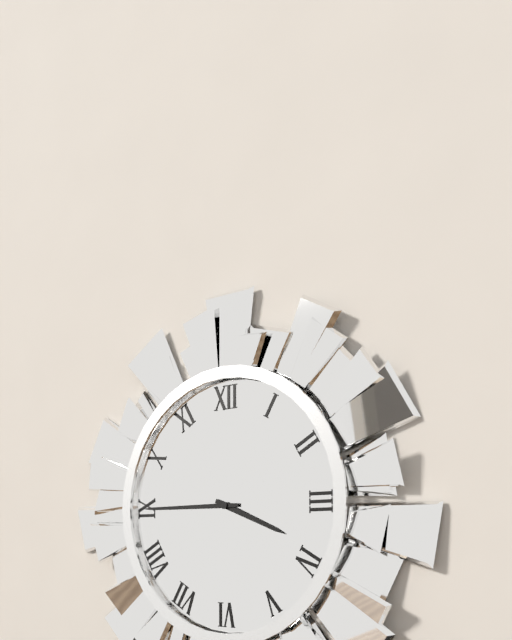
3:45
